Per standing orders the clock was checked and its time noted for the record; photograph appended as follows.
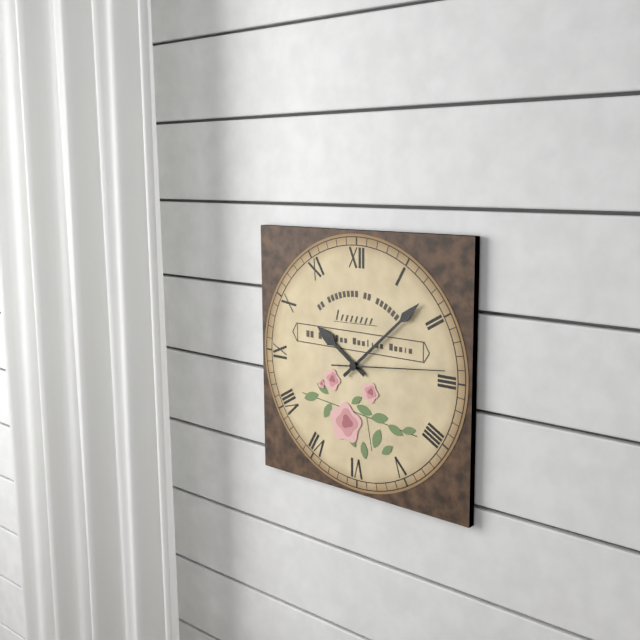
10:08:14
